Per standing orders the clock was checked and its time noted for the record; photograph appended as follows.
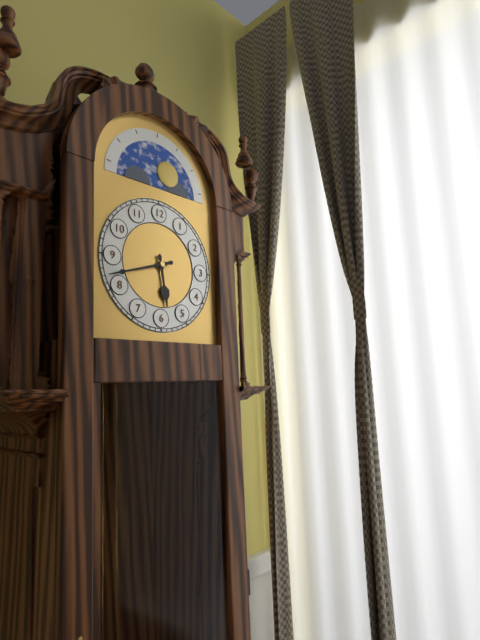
5:42
